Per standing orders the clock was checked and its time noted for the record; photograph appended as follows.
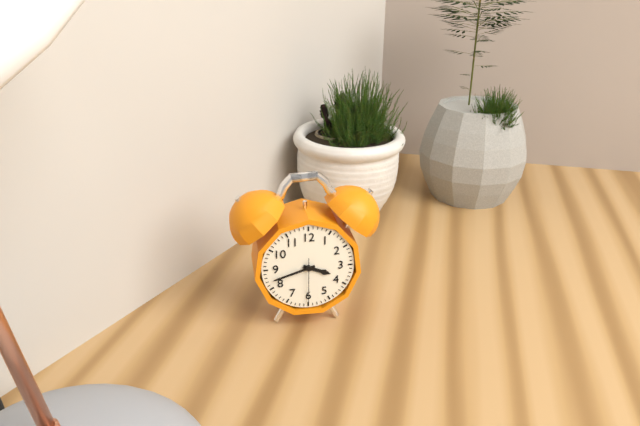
3:42
